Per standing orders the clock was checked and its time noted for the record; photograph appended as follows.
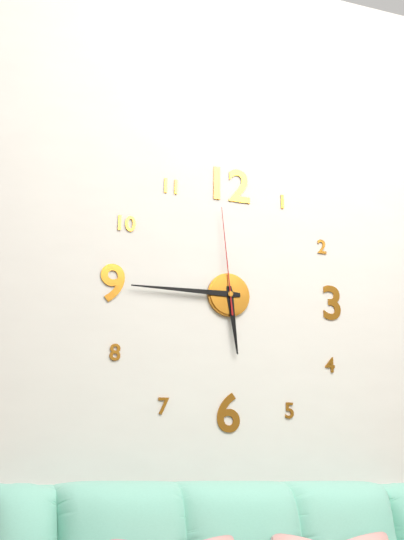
5:45:59
